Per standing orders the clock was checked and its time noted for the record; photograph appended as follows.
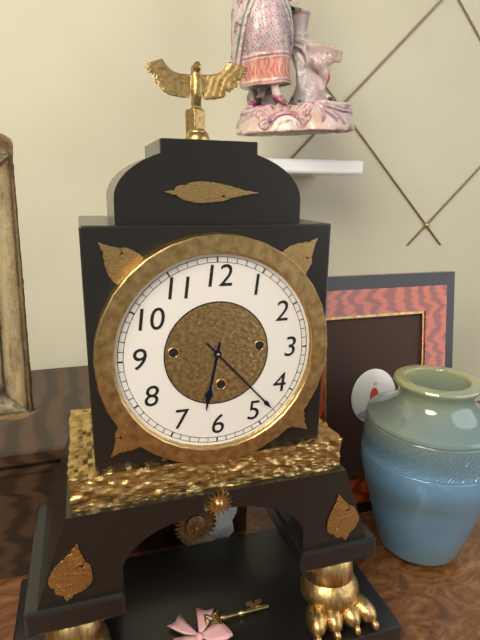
6:23
